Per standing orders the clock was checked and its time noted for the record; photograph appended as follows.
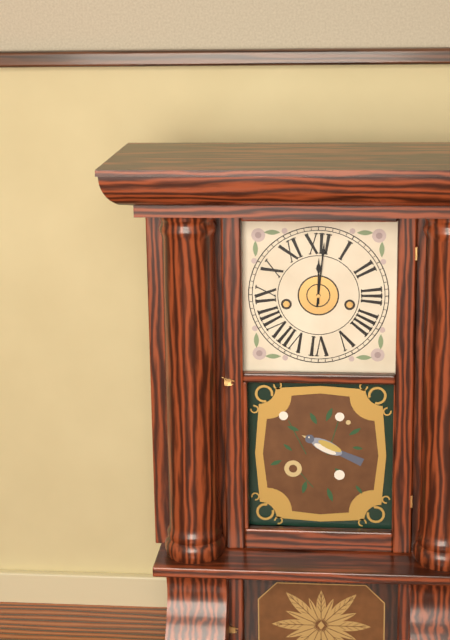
12:01
